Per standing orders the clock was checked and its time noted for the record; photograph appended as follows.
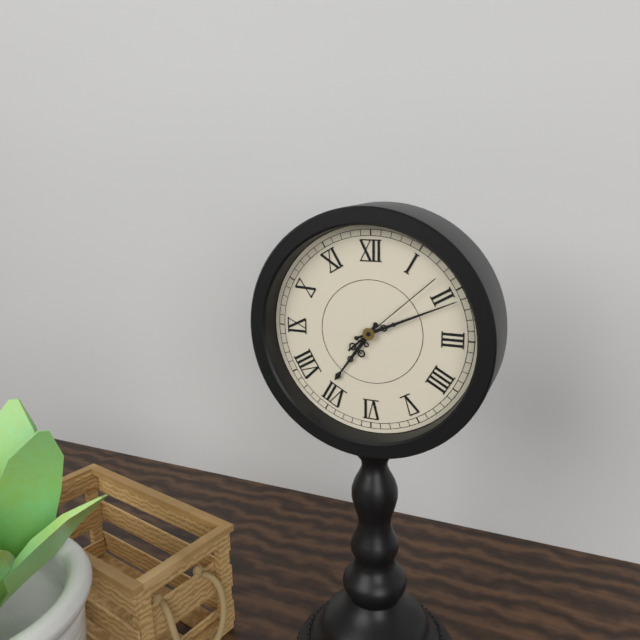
7:11:08
